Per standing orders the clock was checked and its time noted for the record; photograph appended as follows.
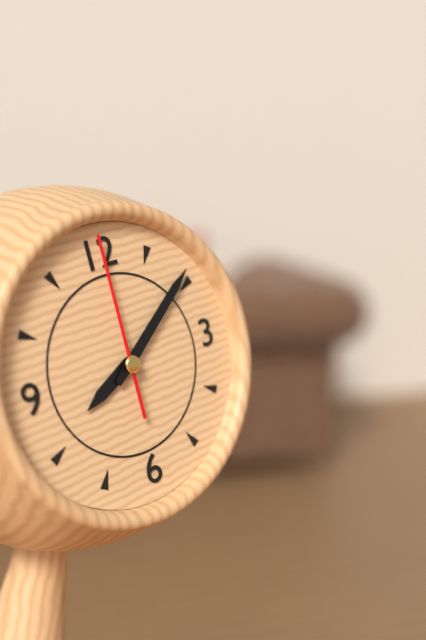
8:09:00
